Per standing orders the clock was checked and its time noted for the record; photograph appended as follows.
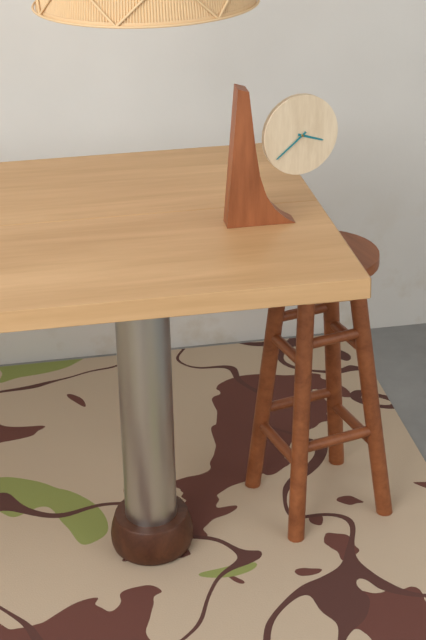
3:39
